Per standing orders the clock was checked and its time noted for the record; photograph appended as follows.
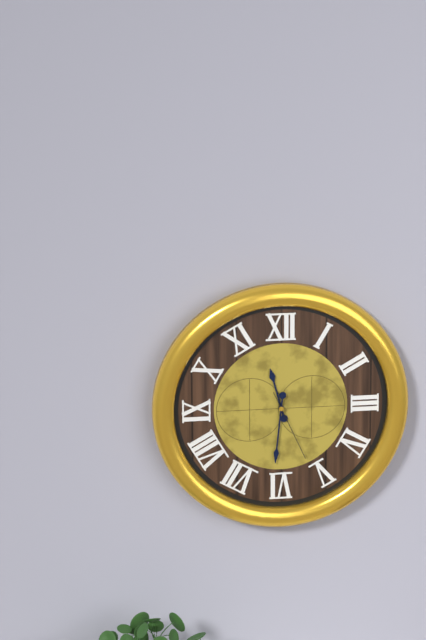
11:31:26
